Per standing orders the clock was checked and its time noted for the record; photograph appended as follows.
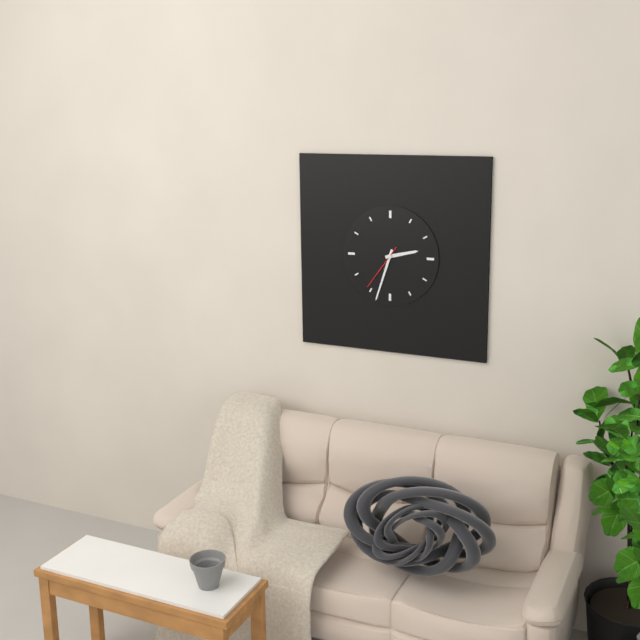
2:33
